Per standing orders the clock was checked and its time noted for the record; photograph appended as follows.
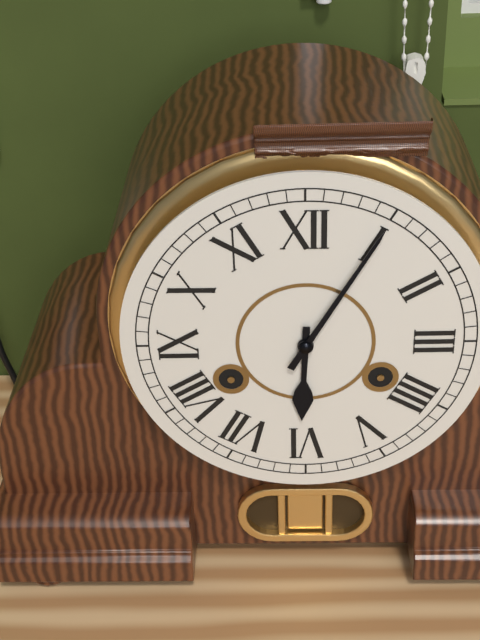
6:05
